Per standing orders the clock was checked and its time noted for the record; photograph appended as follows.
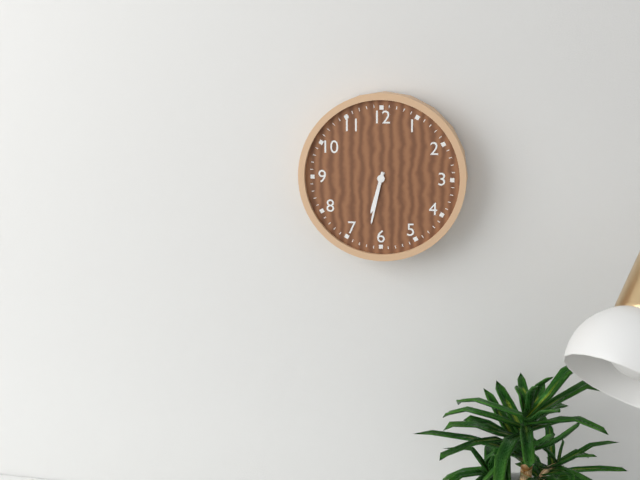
6:32
